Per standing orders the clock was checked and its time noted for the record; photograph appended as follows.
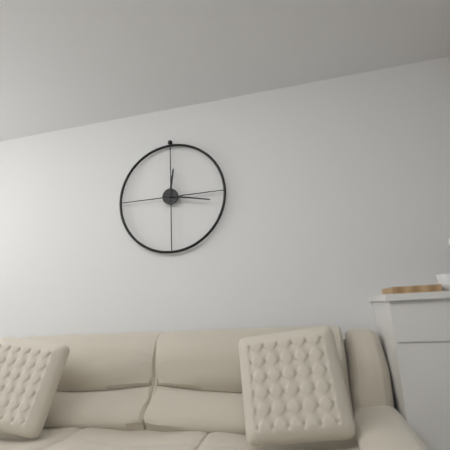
12:17
